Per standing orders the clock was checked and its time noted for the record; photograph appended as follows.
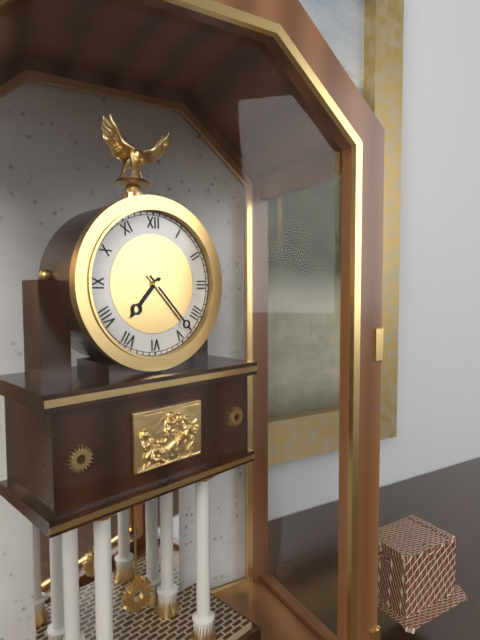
7:23
